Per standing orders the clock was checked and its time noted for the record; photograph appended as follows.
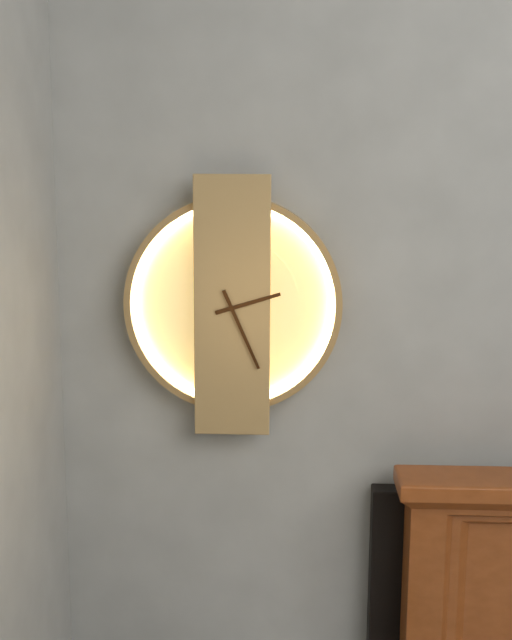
2:26
